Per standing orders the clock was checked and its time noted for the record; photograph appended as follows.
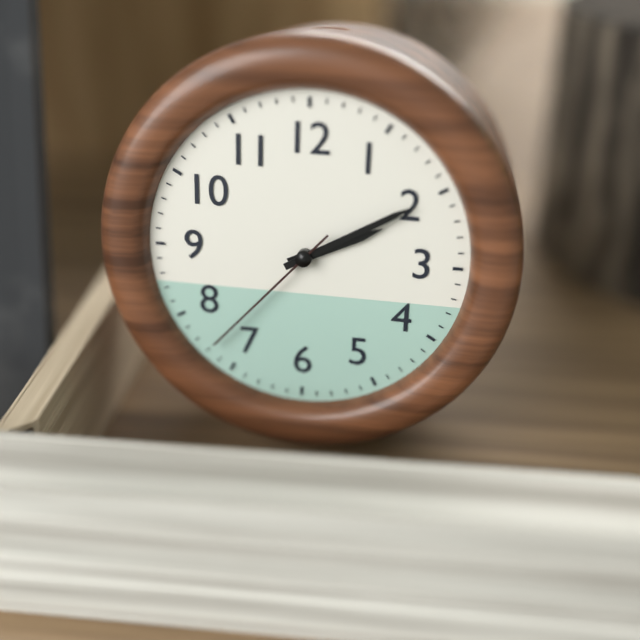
2:10:37
